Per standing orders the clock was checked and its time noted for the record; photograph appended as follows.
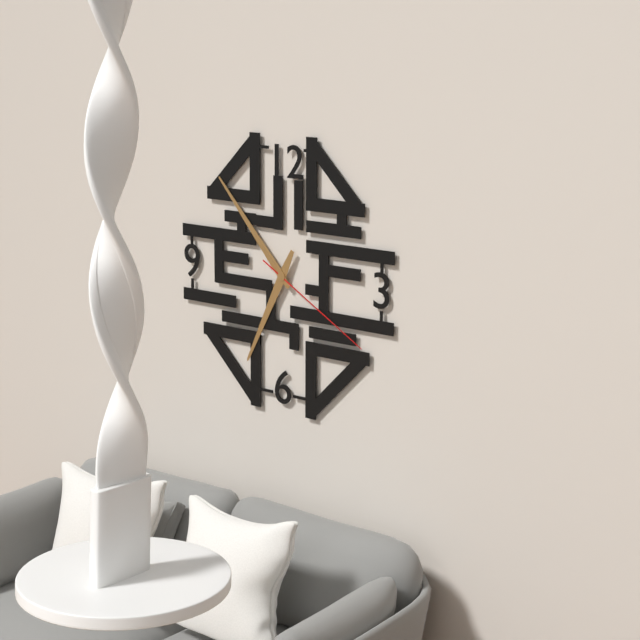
6:53:20
